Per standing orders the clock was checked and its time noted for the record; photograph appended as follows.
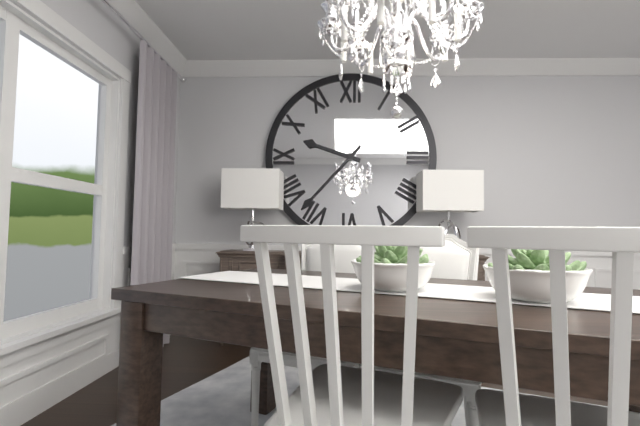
9:37
